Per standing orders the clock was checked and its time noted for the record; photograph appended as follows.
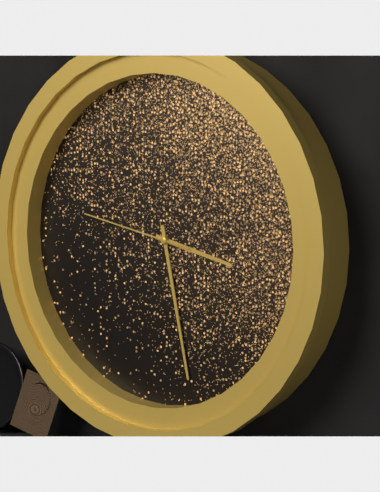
3:28:47
